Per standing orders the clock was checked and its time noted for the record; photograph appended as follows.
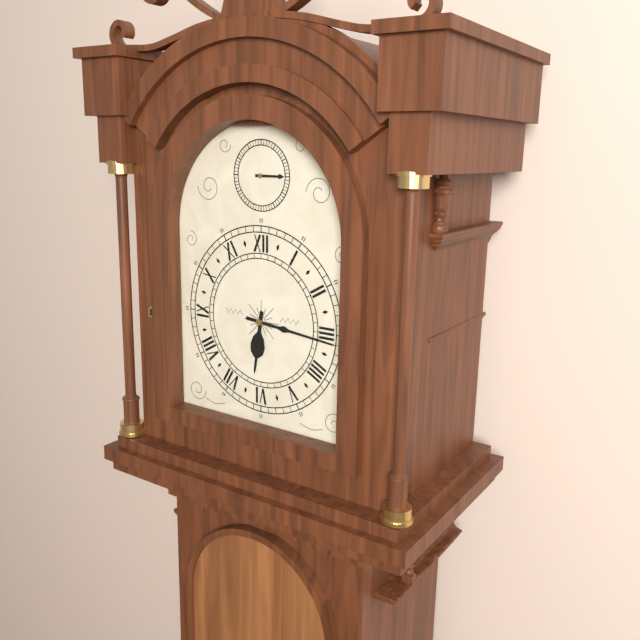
6:16
